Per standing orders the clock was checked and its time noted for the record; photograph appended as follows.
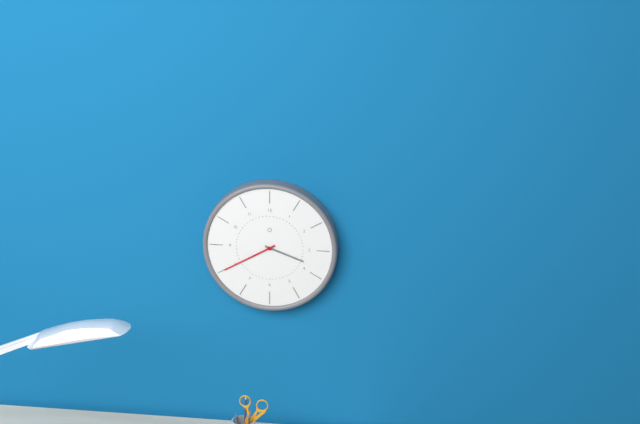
3:40
